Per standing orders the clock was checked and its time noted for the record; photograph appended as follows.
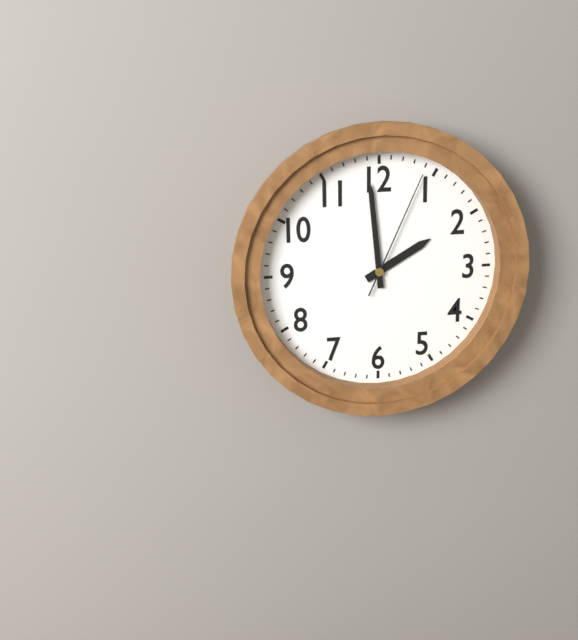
1:59:04
